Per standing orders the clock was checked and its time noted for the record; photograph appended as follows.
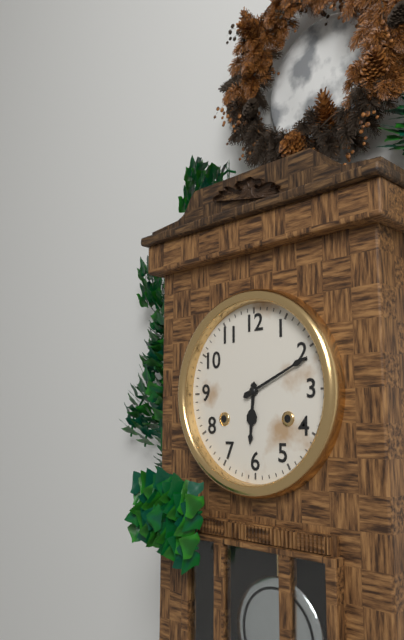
6:11
